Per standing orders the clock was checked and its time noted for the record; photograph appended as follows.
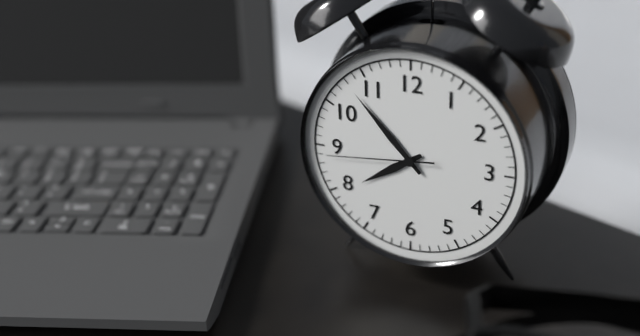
7:53:44
